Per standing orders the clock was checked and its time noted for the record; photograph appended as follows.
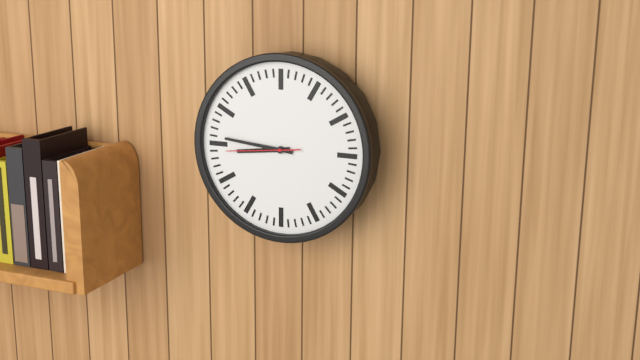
8:46:44
